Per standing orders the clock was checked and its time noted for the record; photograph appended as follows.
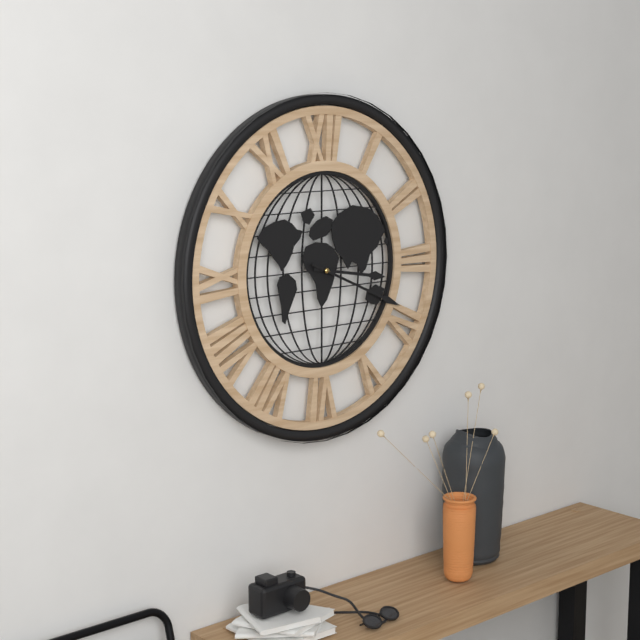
3:19
